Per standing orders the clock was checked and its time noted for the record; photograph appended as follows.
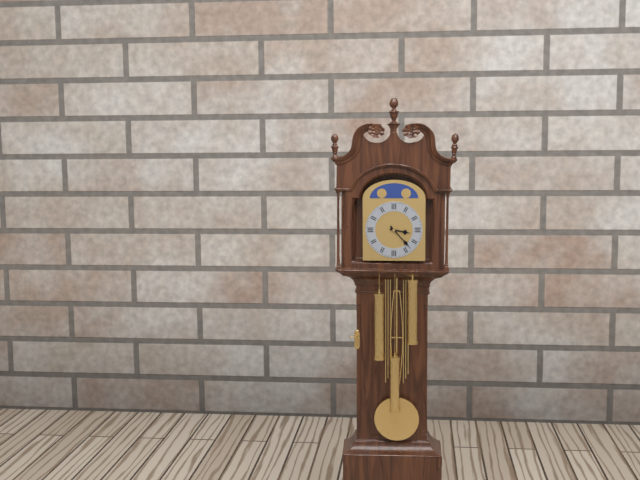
3:23
